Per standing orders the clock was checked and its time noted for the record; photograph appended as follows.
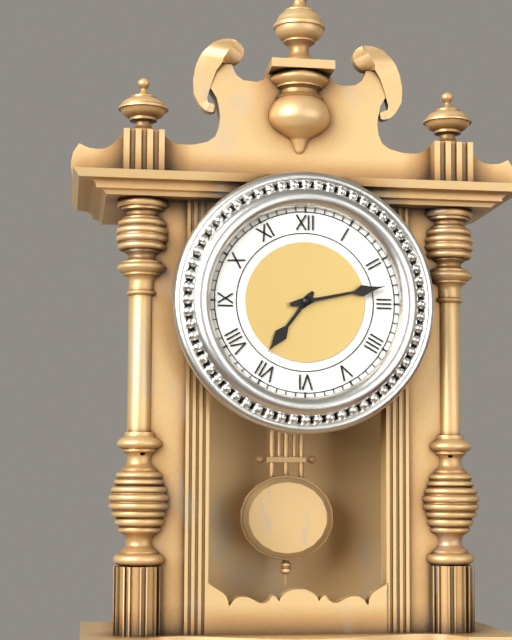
7:13
